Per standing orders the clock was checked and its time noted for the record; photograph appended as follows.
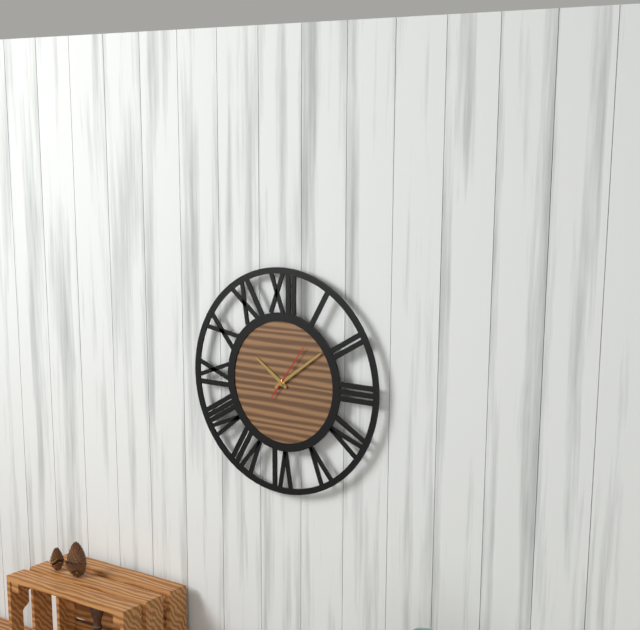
10:09
